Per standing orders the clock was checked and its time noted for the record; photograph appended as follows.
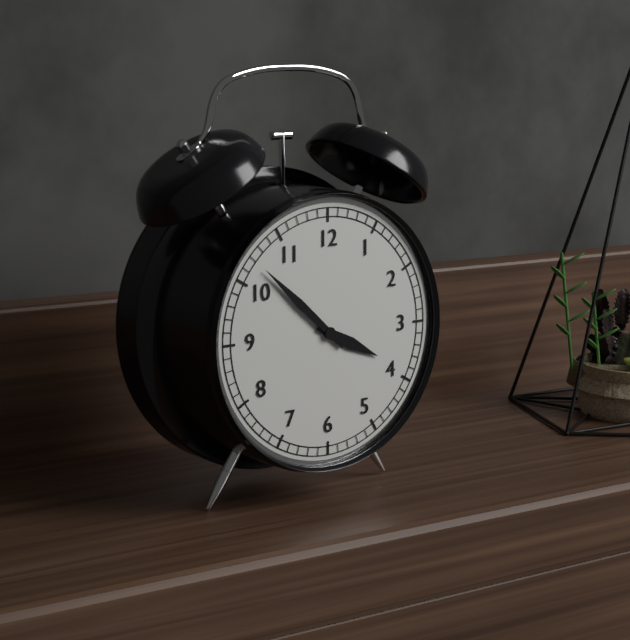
3:52
